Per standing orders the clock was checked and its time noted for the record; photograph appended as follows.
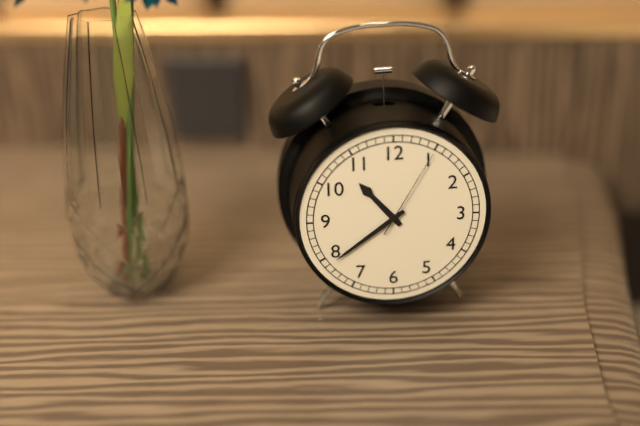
10:39:05
